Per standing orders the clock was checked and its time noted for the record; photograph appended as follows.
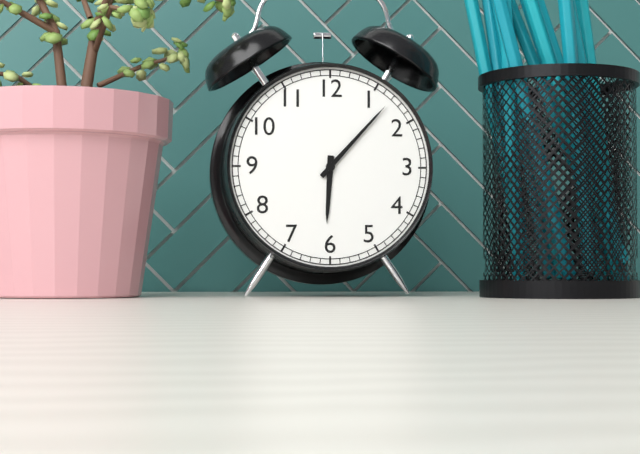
6:07
